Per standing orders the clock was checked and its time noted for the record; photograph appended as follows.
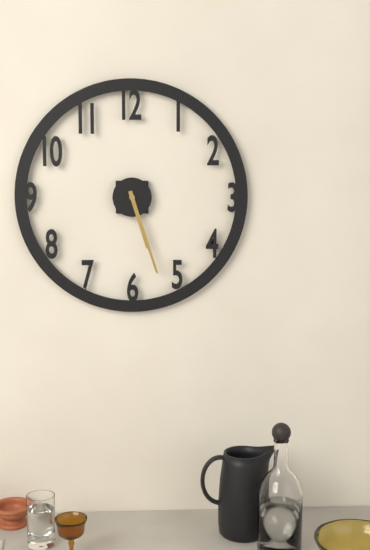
5:27
